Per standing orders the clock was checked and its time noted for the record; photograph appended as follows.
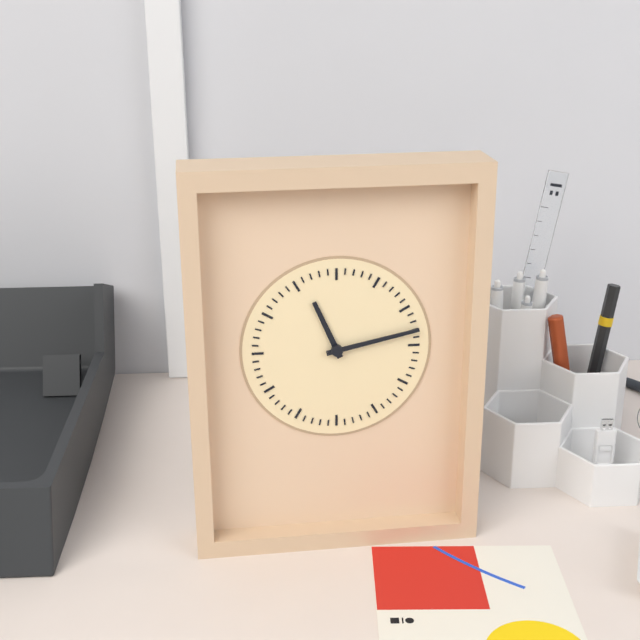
11:13
